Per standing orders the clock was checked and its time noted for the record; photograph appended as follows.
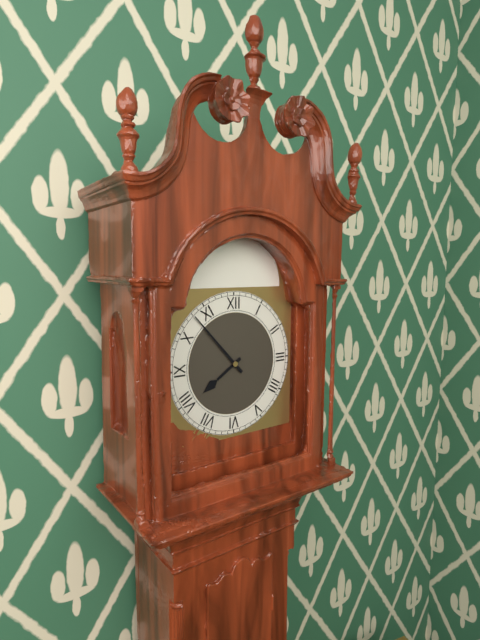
7:53
